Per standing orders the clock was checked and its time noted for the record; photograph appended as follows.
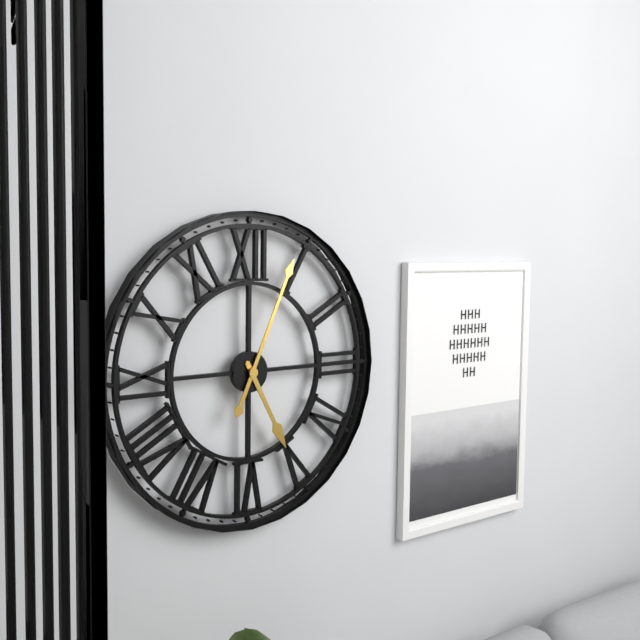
5:04
